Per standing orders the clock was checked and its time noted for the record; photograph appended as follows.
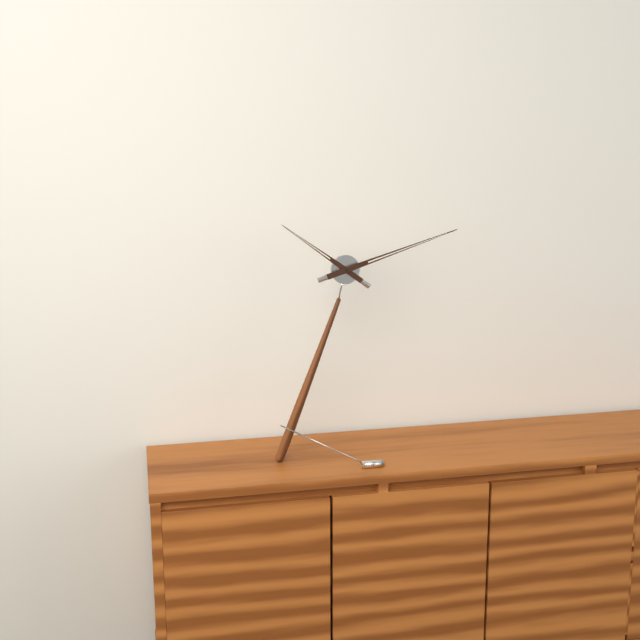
10:12
